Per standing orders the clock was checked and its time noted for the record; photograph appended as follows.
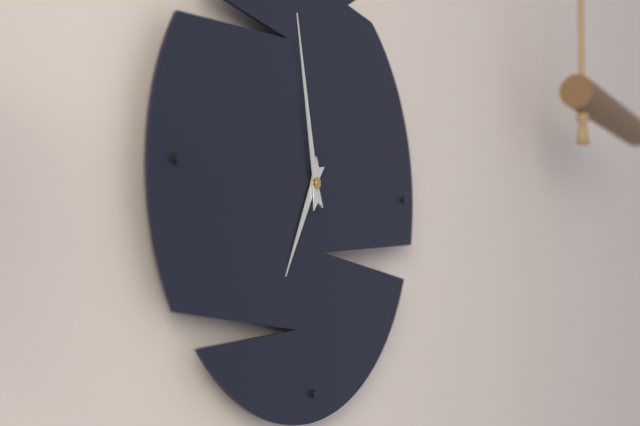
6:58
